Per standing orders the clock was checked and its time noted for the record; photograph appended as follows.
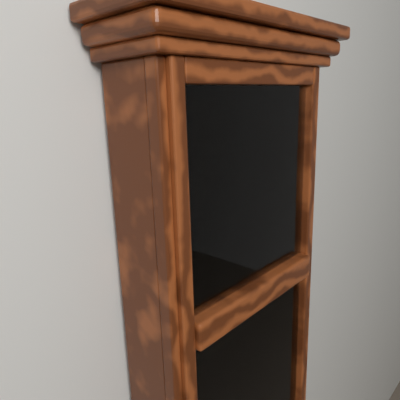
5:04
